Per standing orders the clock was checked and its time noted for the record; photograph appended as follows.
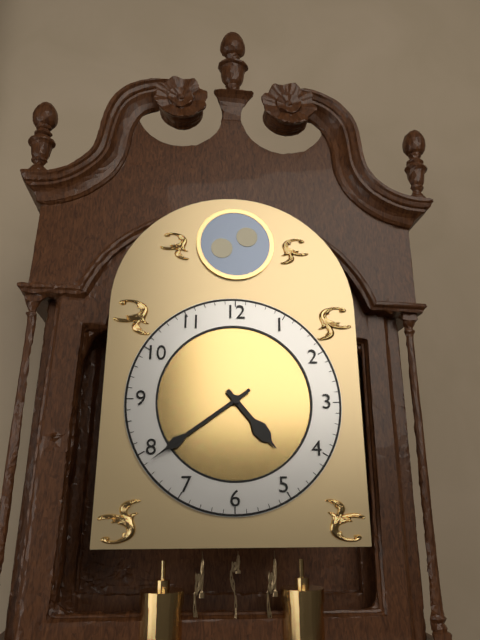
4:39
